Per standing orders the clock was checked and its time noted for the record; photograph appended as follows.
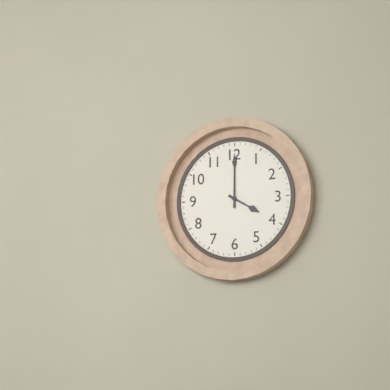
4:00
